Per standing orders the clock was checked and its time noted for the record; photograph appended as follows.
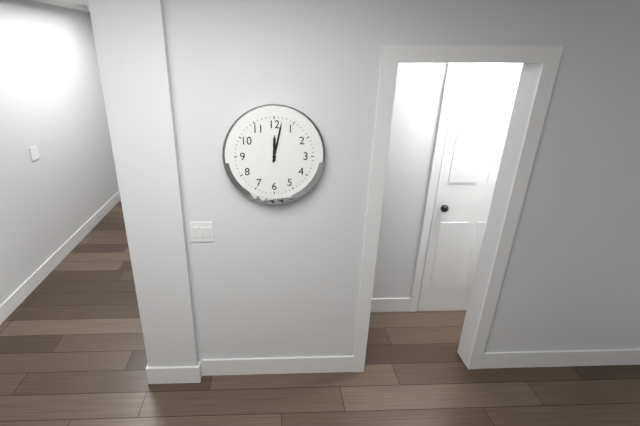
12:02
